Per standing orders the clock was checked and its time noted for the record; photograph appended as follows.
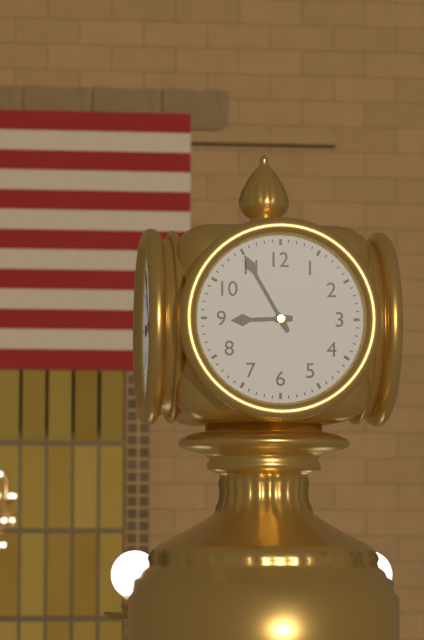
8:55
